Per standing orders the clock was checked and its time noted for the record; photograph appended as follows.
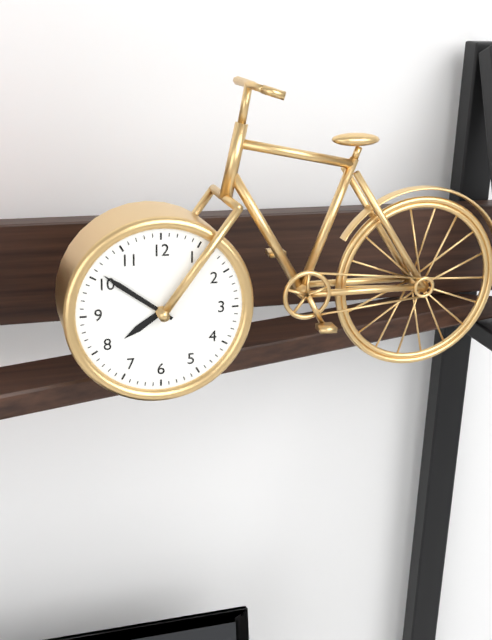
7:51
